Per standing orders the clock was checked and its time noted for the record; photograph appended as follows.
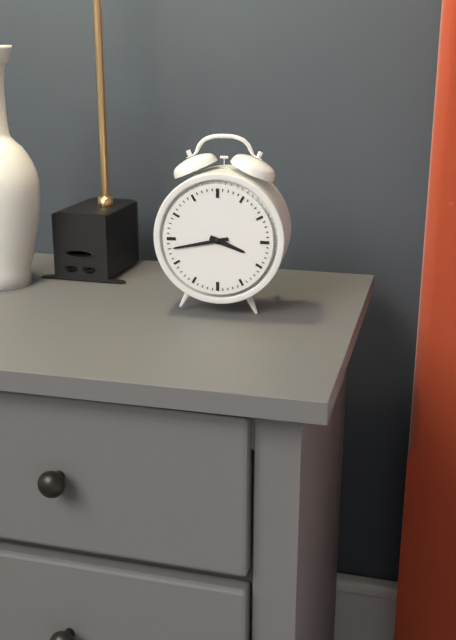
3:43
